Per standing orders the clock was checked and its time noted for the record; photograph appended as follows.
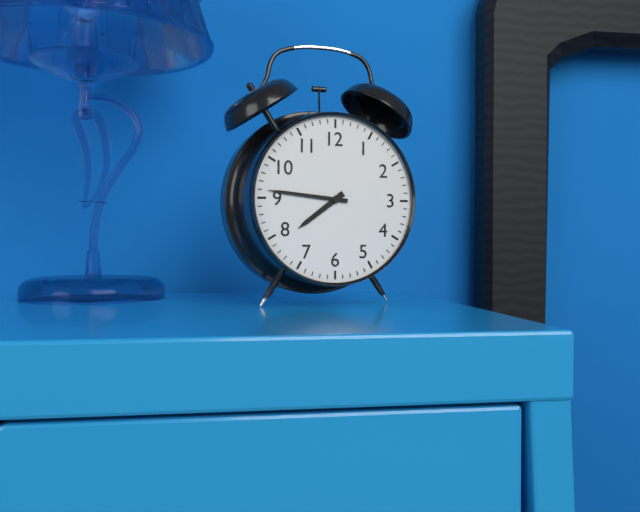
7:46
